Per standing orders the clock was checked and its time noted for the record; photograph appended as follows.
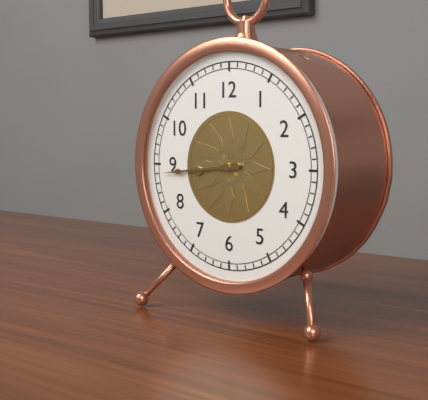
8:44
